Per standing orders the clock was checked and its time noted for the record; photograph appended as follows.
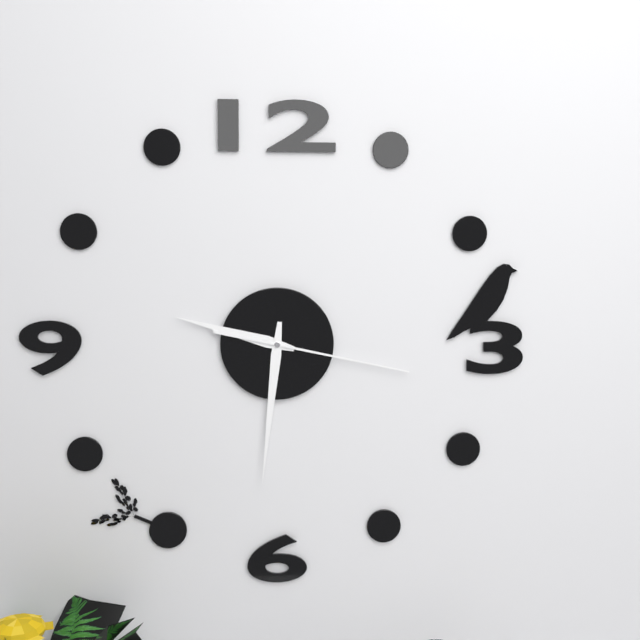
9:31:17
